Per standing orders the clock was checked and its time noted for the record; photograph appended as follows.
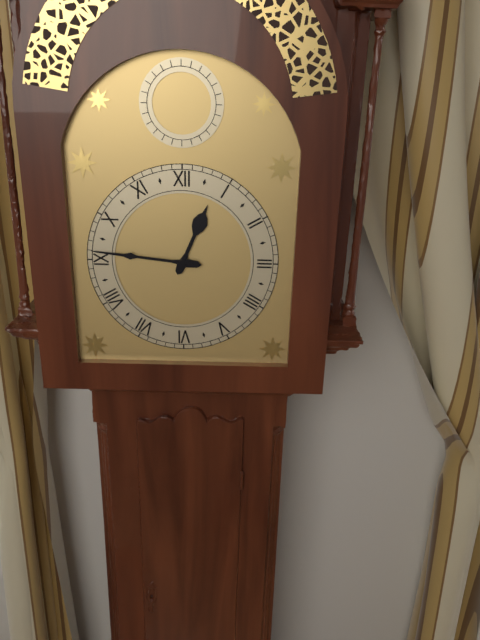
12:46
